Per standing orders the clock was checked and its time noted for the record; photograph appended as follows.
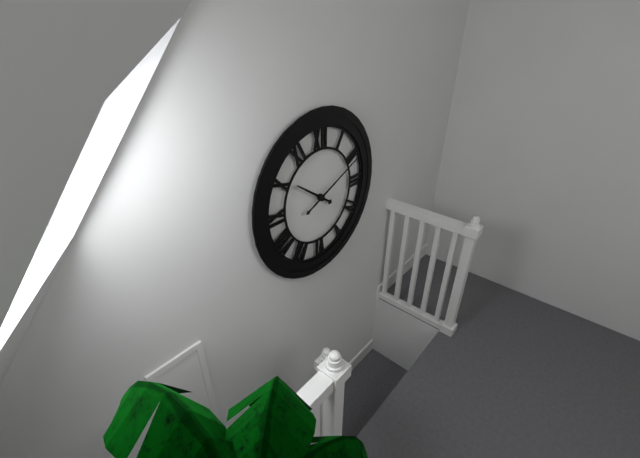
10:11
